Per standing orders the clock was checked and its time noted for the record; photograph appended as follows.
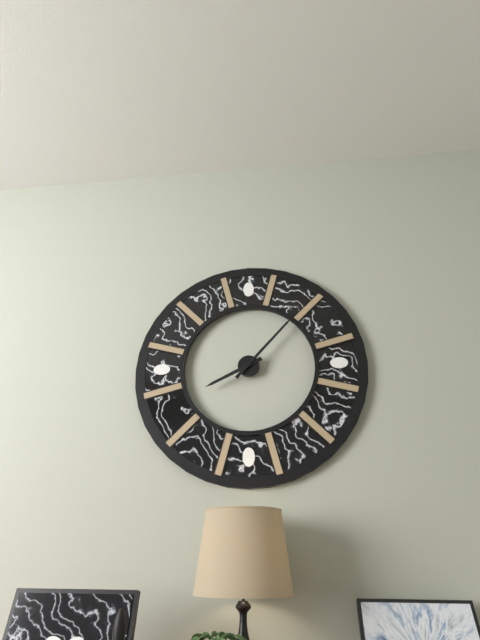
8:07
